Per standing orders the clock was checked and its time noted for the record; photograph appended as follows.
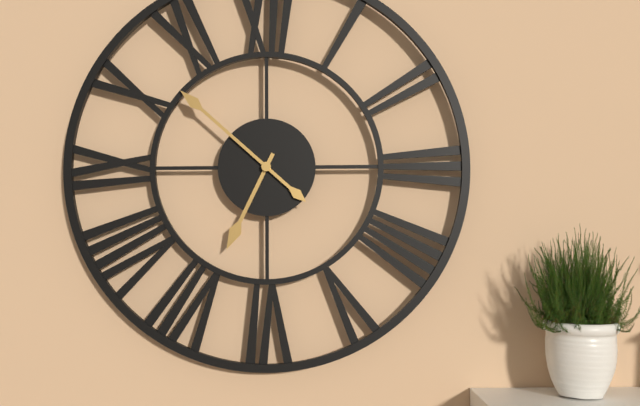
6:52
